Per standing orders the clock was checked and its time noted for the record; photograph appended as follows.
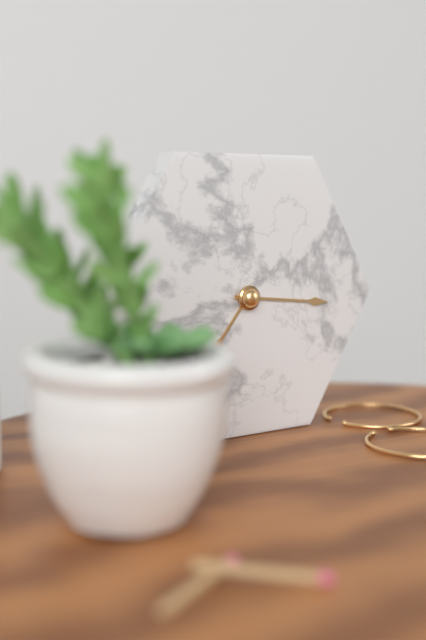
7:16
